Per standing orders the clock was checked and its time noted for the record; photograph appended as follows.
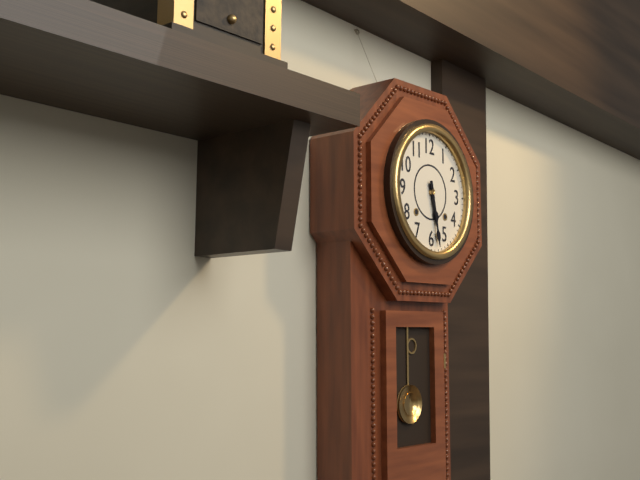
5:28
